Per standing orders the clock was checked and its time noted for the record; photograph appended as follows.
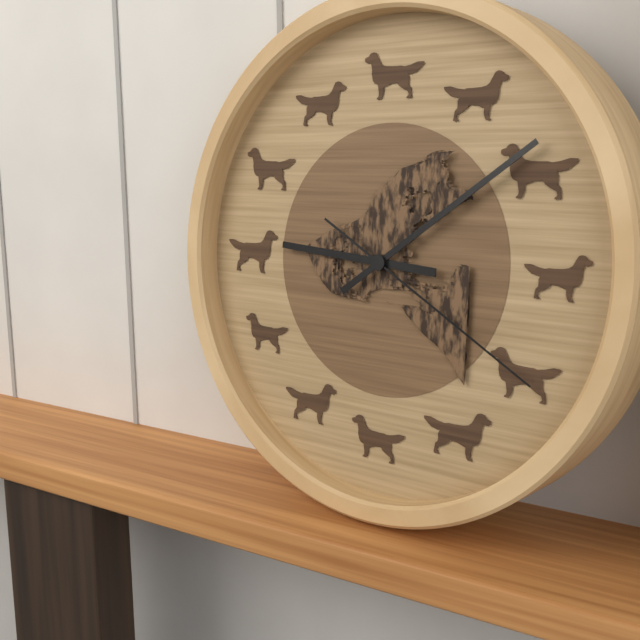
9:09:20
